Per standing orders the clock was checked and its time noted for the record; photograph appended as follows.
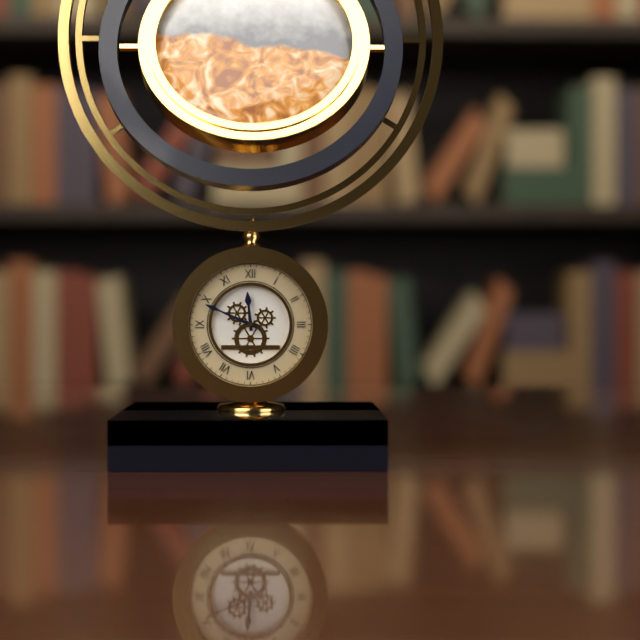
11:49
